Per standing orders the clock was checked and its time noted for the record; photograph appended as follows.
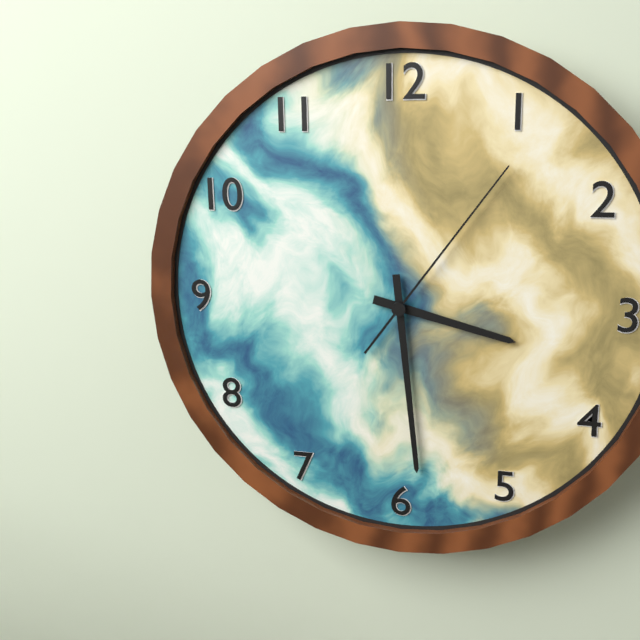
3:29:06
